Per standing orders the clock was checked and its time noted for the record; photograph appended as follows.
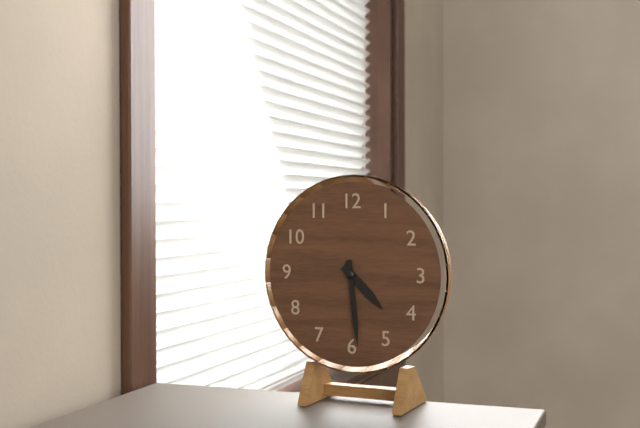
4:29
